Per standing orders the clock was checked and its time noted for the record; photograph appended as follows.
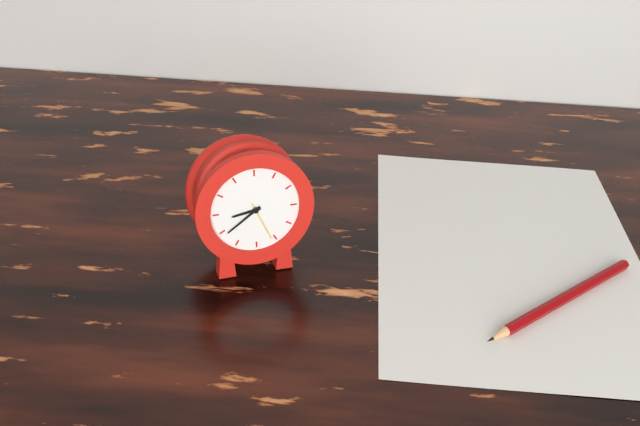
8:39
